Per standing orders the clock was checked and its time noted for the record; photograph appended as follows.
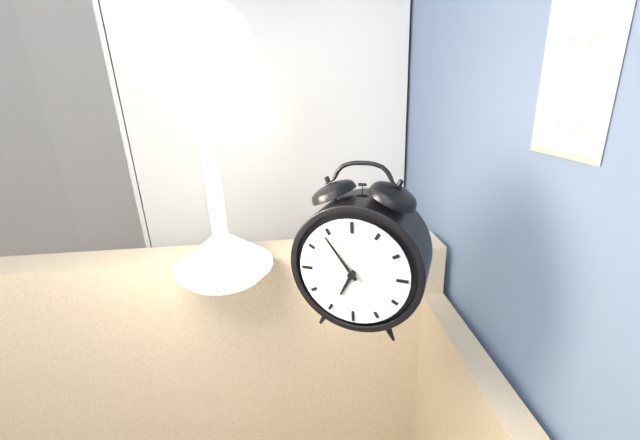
6:54
